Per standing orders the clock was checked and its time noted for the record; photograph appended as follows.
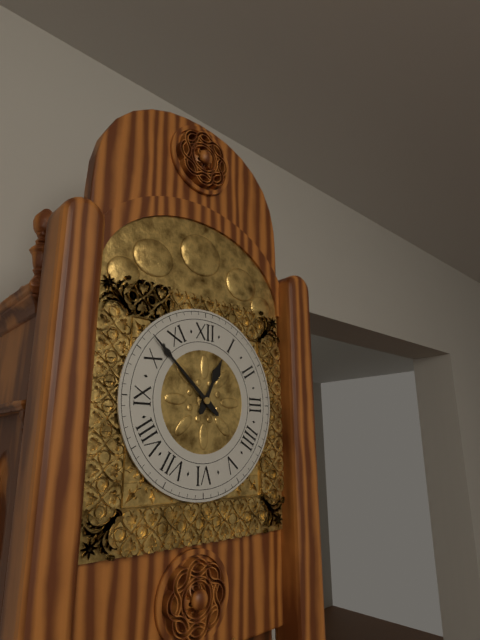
12:52
